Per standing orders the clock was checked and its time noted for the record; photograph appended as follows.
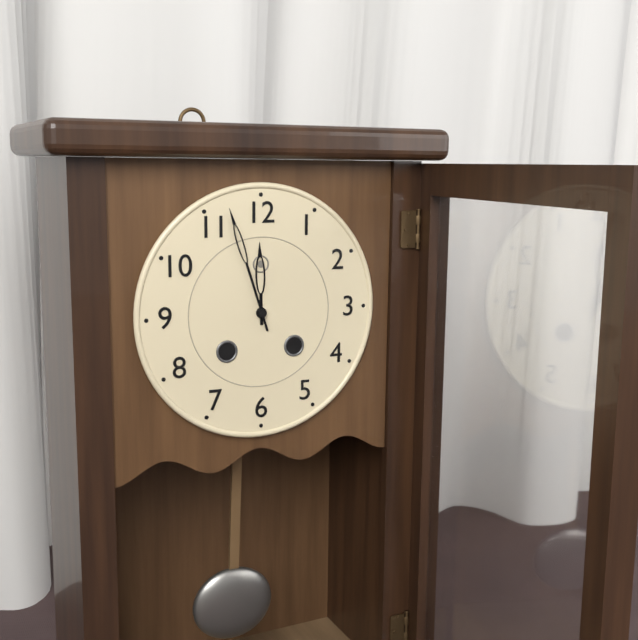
11:57
